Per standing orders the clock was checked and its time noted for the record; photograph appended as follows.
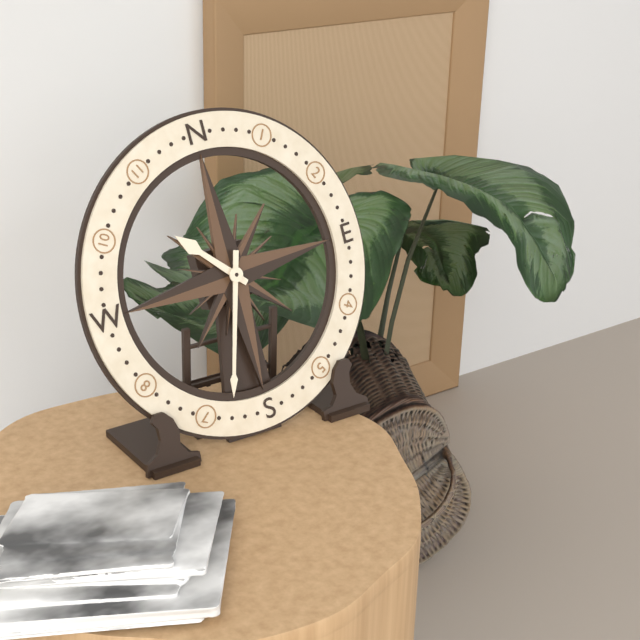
10:33
